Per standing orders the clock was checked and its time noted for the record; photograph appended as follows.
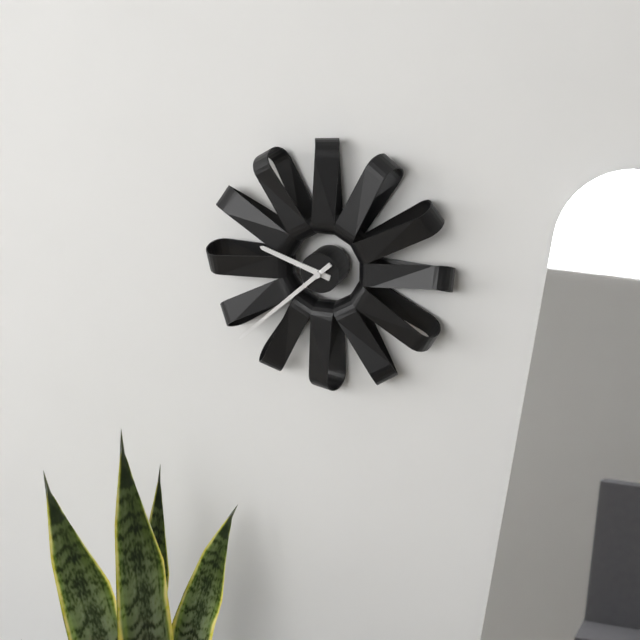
9:38
